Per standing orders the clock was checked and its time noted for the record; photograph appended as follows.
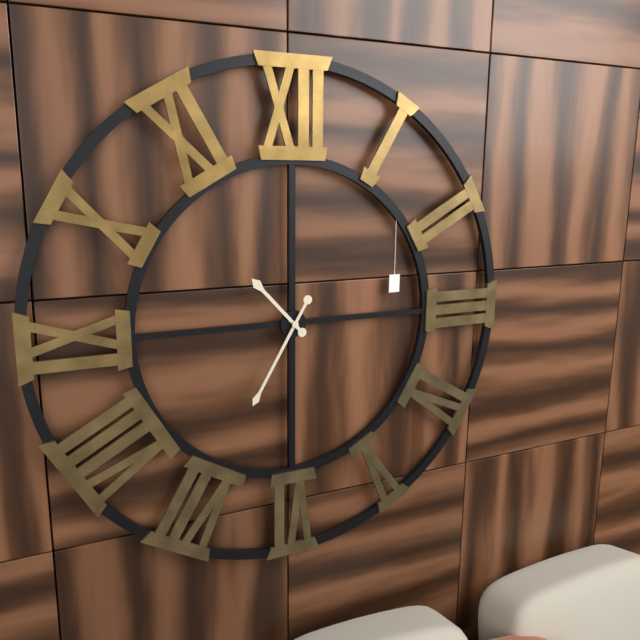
10:35
